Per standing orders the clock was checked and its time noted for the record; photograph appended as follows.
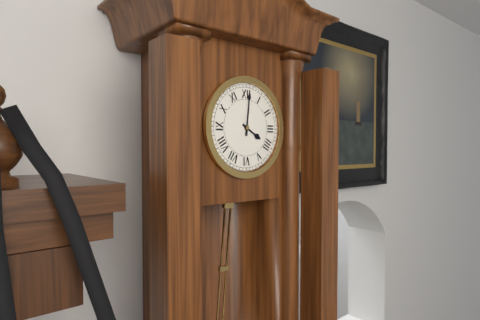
4:01
